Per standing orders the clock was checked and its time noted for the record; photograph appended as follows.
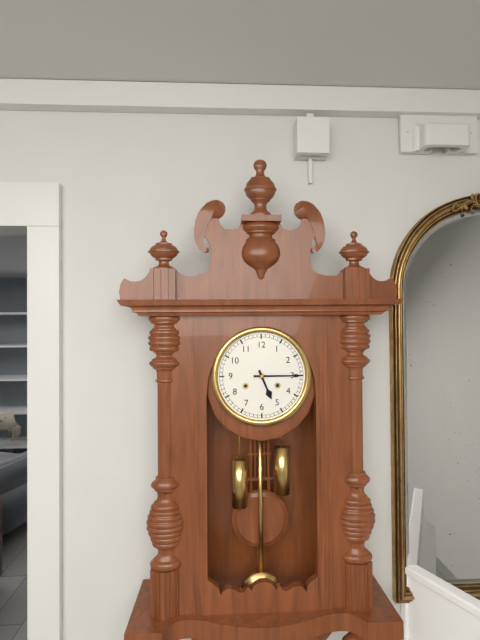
5:15
